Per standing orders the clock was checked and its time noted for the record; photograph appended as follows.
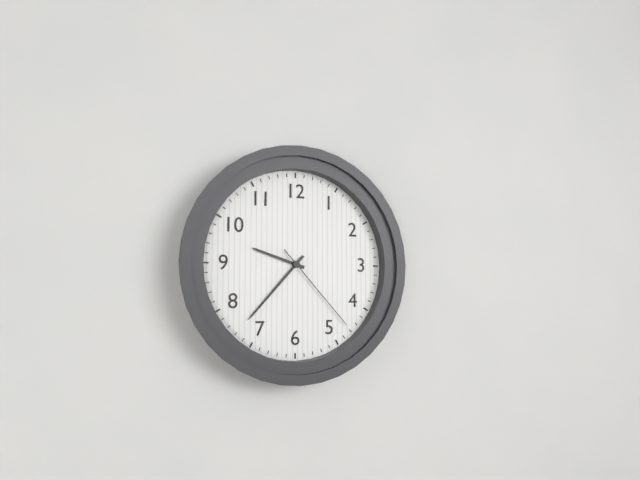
9:37:23
